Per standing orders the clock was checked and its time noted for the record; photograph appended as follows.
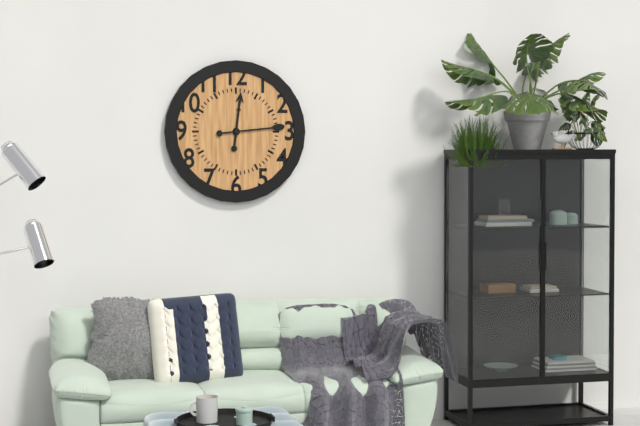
12:14
